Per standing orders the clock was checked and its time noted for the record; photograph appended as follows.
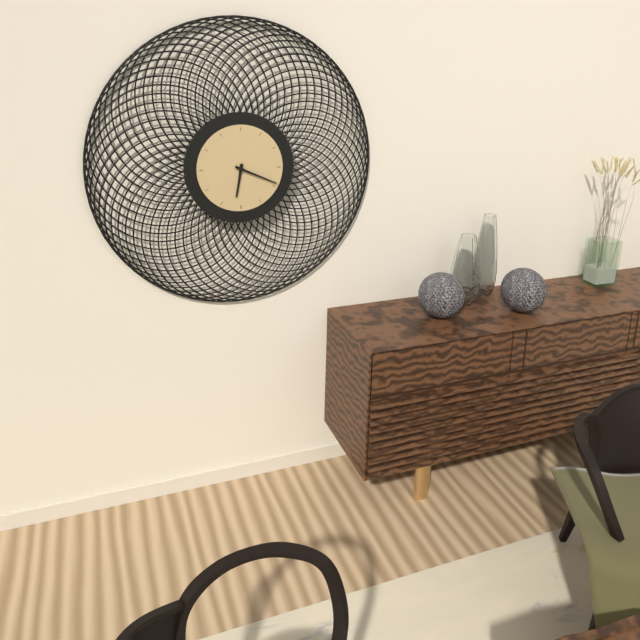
6:19
